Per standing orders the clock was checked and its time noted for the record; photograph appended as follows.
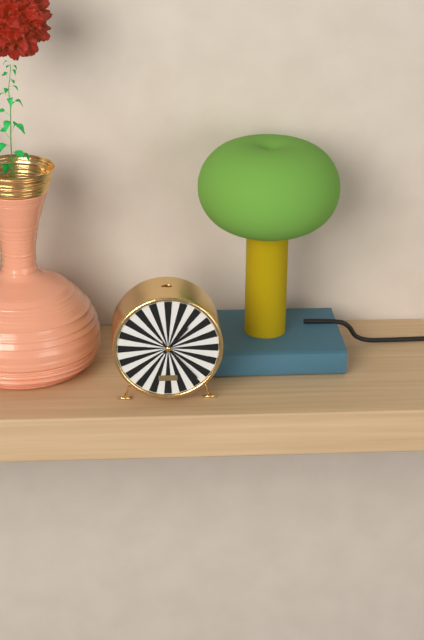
1:23
